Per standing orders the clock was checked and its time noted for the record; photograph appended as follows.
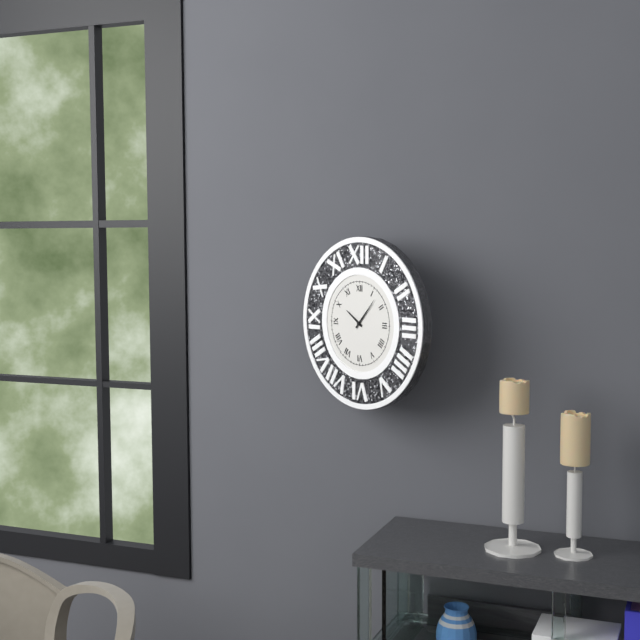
10:07
